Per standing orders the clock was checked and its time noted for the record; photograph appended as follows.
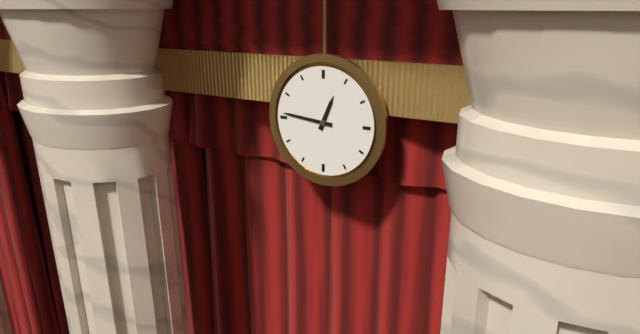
12:46
